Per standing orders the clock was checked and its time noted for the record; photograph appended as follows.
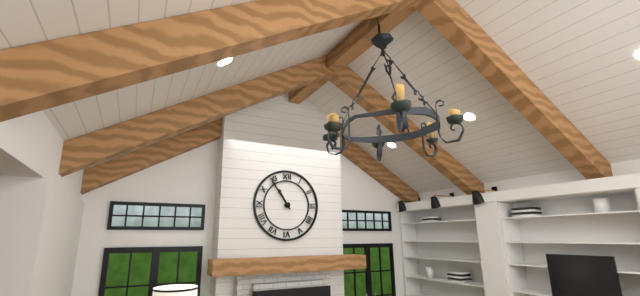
10:54
